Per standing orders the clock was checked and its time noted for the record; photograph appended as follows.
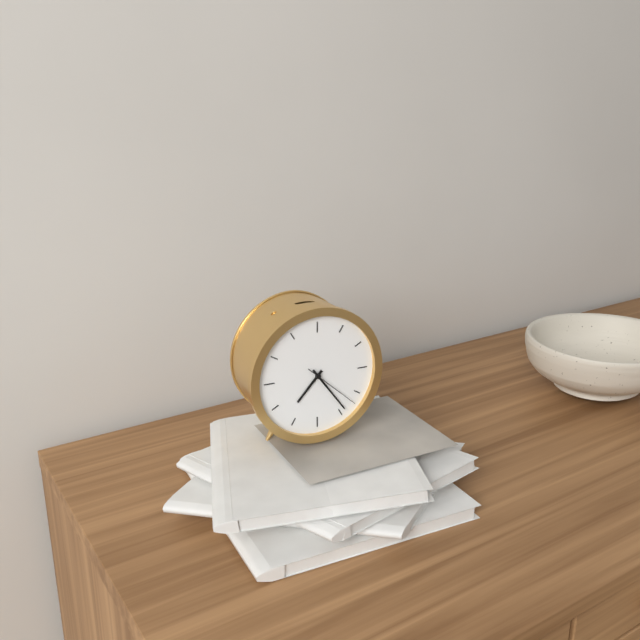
7:24:22
